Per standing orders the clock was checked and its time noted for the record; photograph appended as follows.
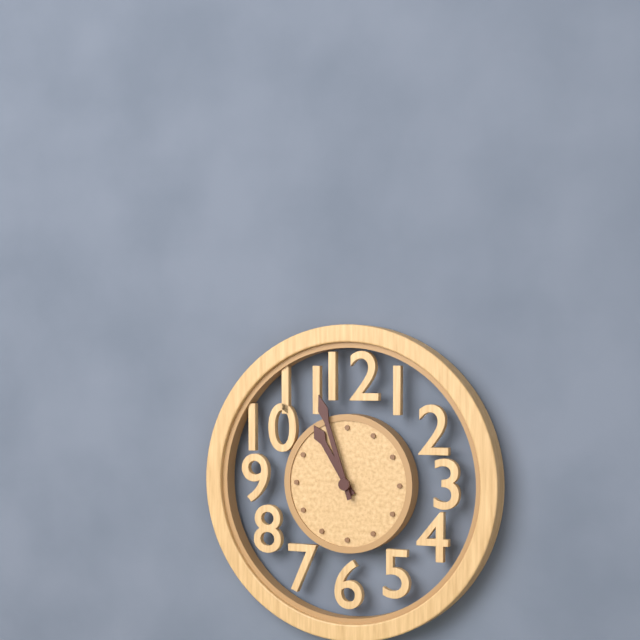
10:57
